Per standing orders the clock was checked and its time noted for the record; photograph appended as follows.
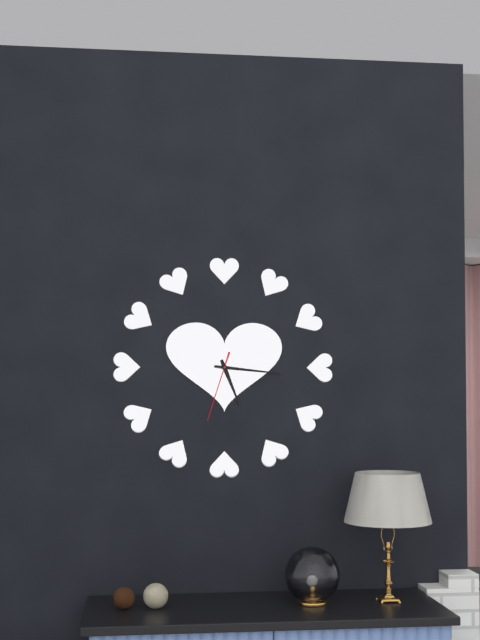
5:16:33
